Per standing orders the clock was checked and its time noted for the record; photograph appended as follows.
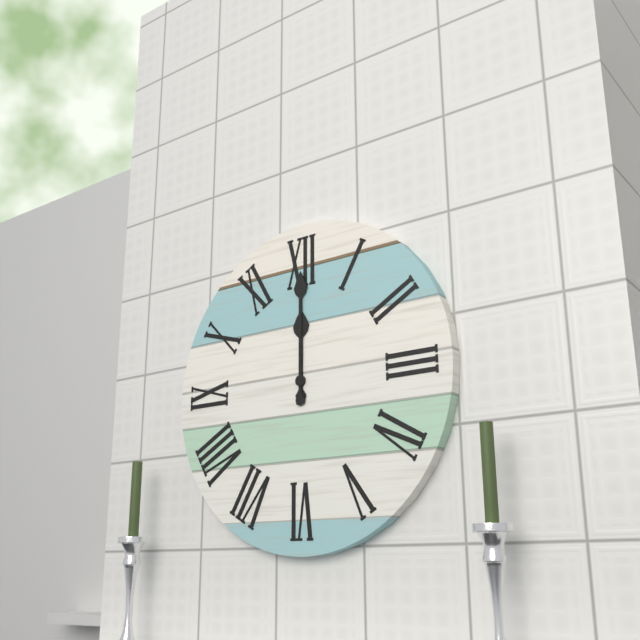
12:00
